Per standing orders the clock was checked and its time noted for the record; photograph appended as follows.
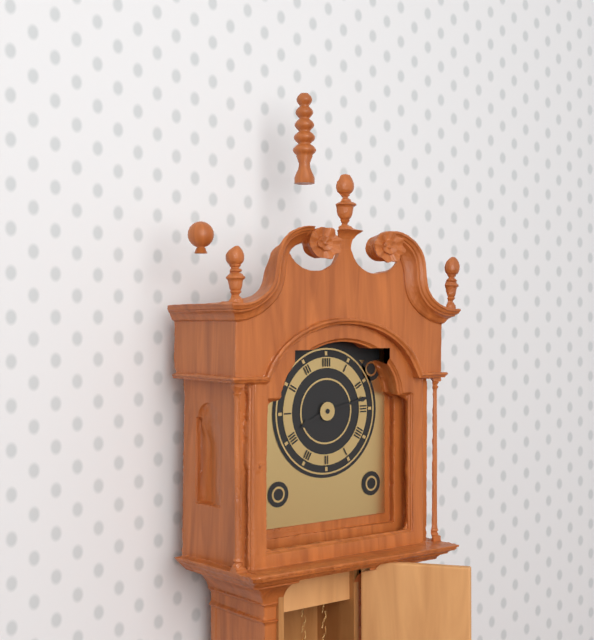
8:13
